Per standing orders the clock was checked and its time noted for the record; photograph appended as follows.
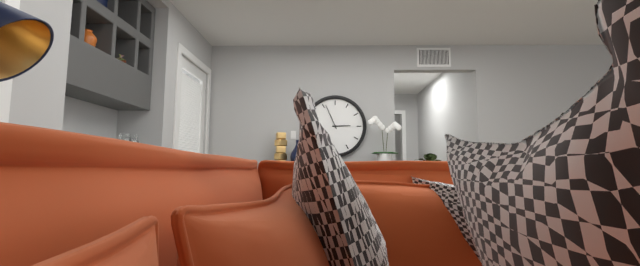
2:56
